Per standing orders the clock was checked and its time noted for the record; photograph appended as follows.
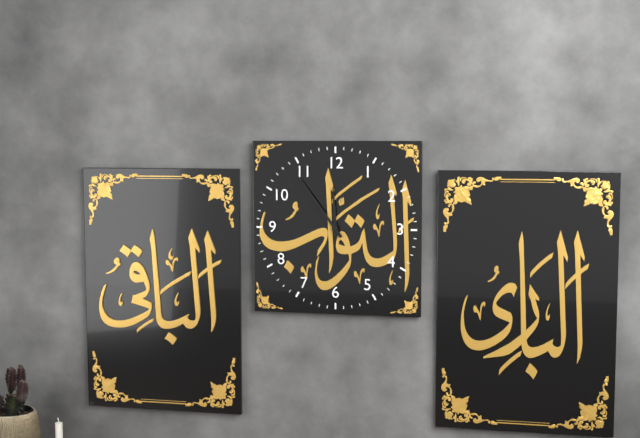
11:54
